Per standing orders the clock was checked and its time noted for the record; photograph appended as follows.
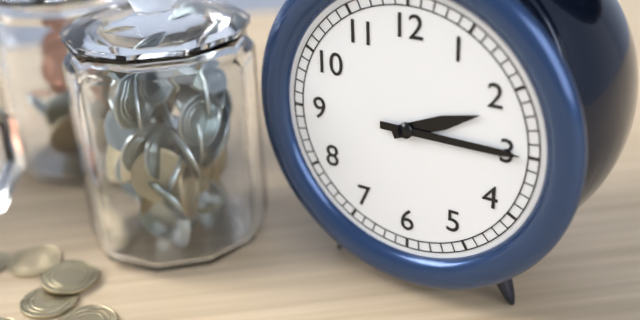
2:15
